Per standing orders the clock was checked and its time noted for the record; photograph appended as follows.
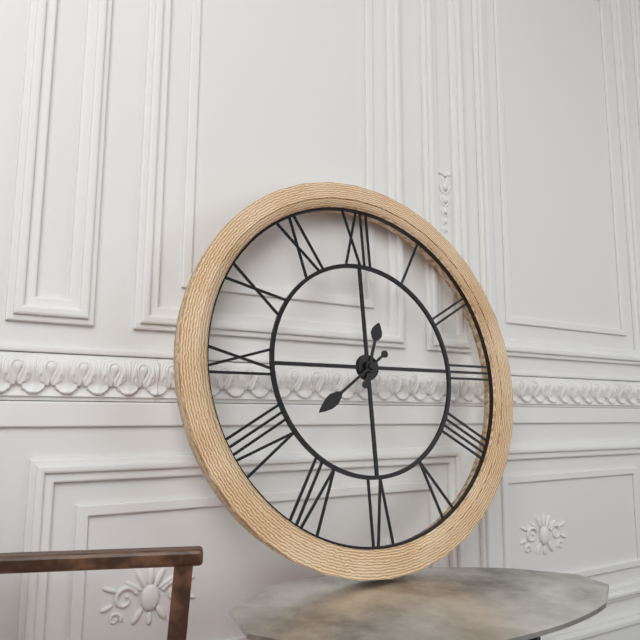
12:39
